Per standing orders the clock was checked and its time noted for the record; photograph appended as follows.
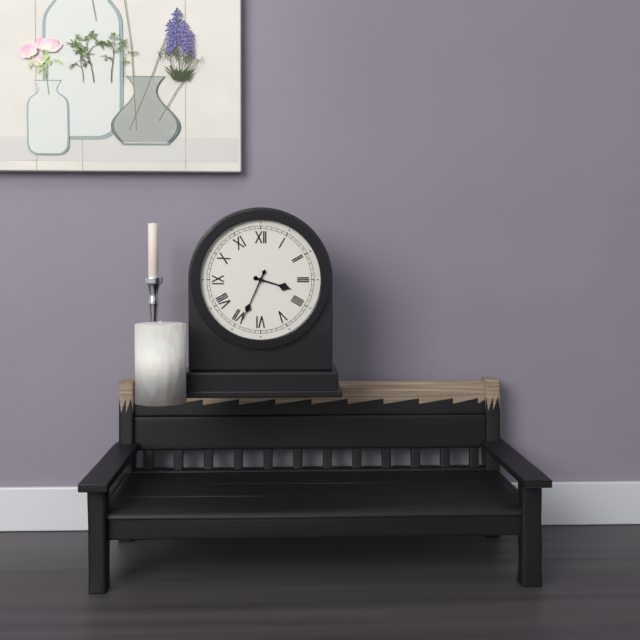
3:34
